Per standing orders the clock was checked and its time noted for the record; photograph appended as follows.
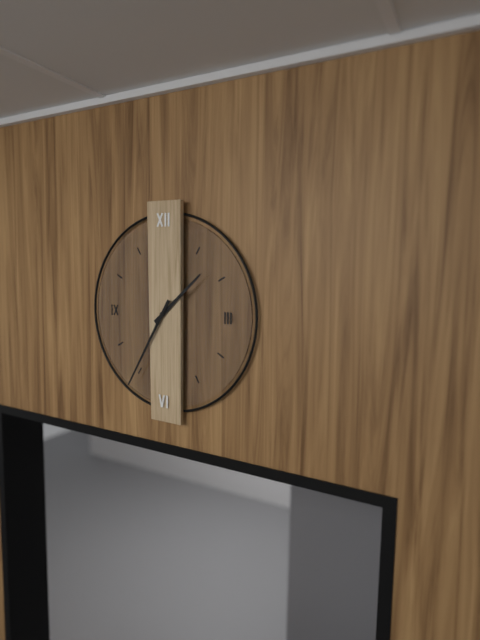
1:35
